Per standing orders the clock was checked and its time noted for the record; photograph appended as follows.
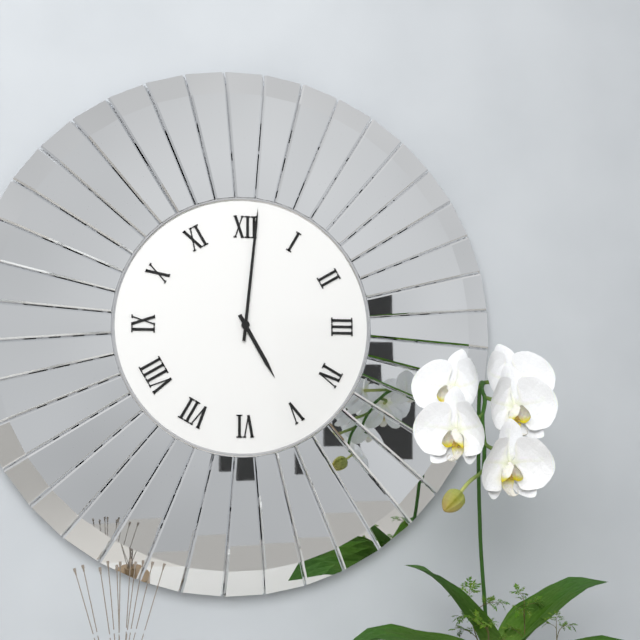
5:01
